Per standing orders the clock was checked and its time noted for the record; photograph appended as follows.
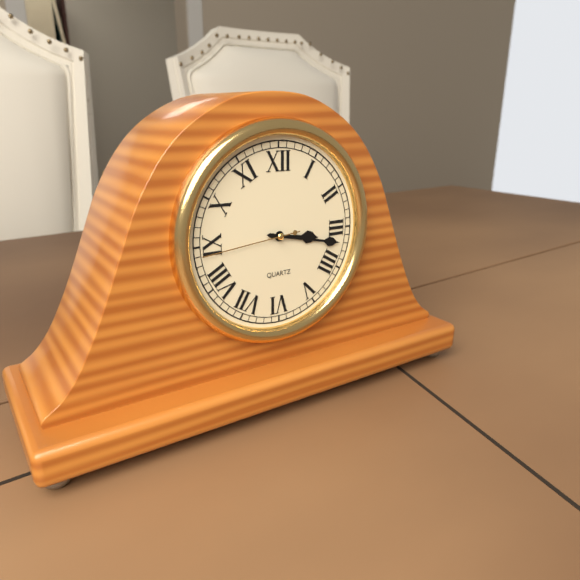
3:17:44
